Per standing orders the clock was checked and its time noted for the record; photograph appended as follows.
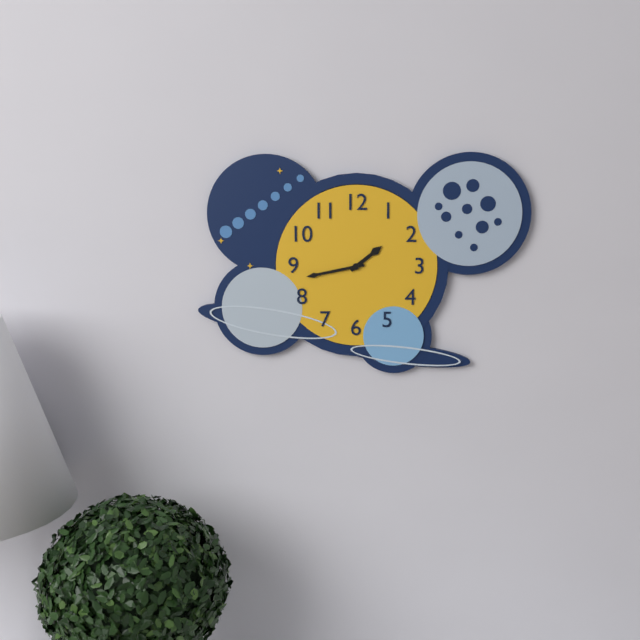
1:43
